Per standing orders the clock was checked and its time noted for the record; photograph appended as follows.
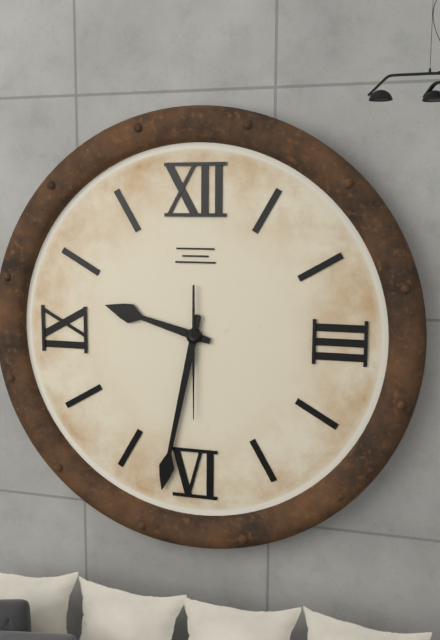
9:32:30
